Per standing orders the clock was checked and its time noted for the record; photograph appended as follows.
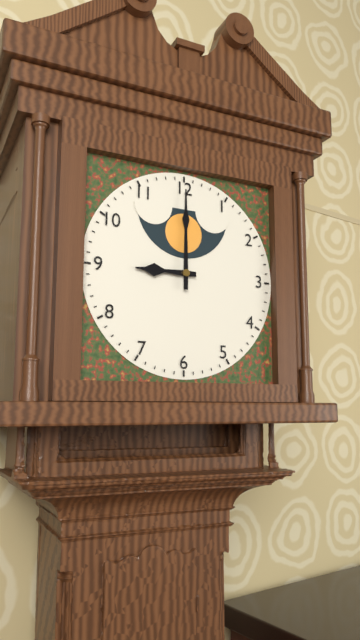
9:00
